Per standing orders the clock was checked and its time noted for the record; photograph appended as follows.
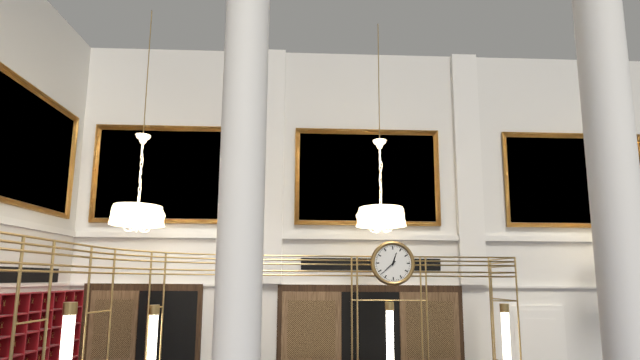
12:38
